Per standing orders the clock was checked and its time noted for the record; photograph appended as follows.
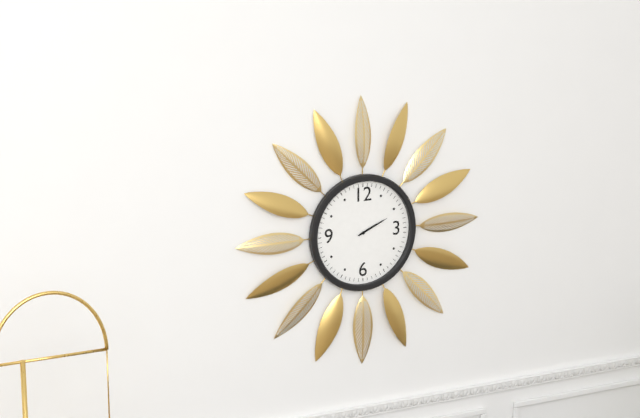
2:11
